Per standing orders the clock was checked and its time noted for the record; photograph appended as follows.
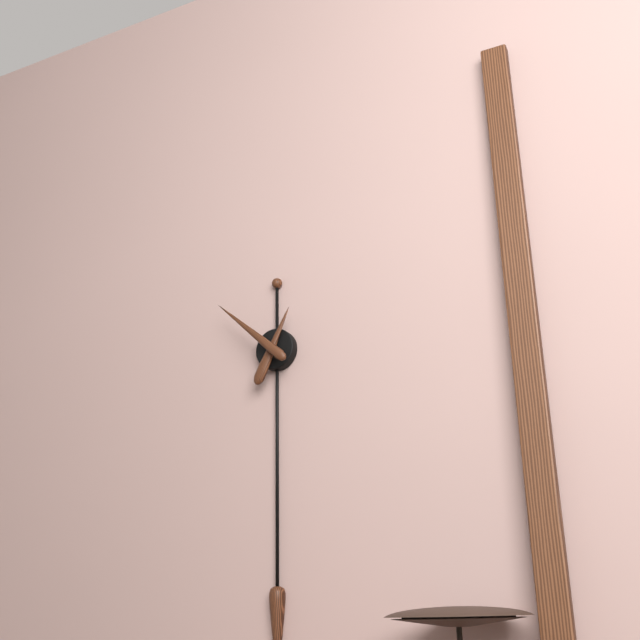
12:52
